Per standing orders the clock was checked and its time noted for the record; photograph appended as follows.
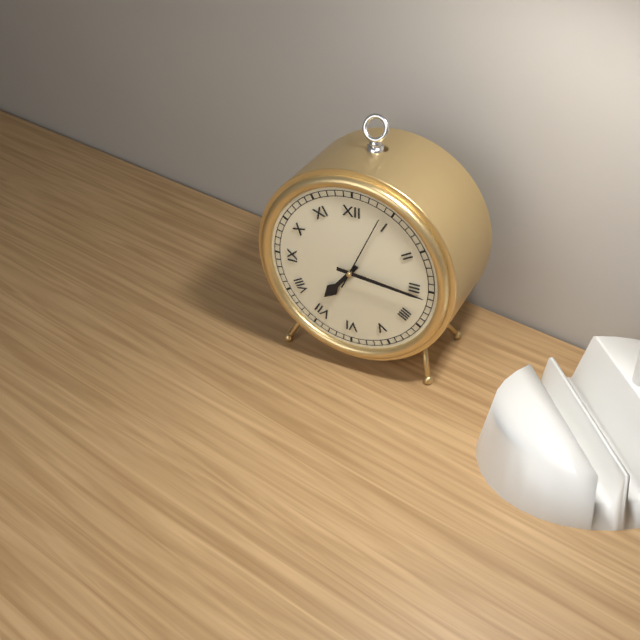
7:16:04
